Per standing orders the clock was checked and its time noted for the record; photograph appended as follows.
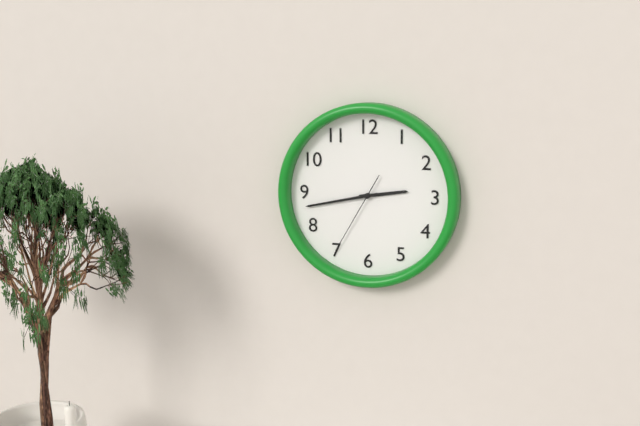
2:43:35
